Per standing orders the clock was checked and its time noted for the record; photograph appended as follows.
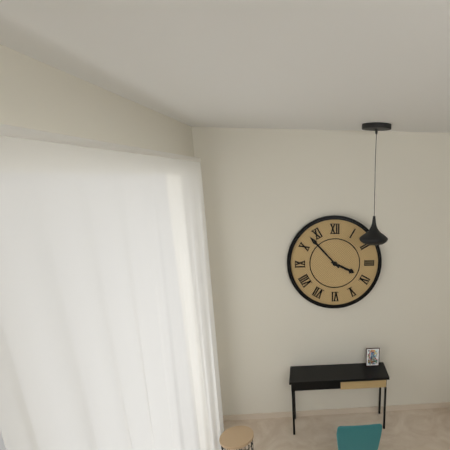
3:53
